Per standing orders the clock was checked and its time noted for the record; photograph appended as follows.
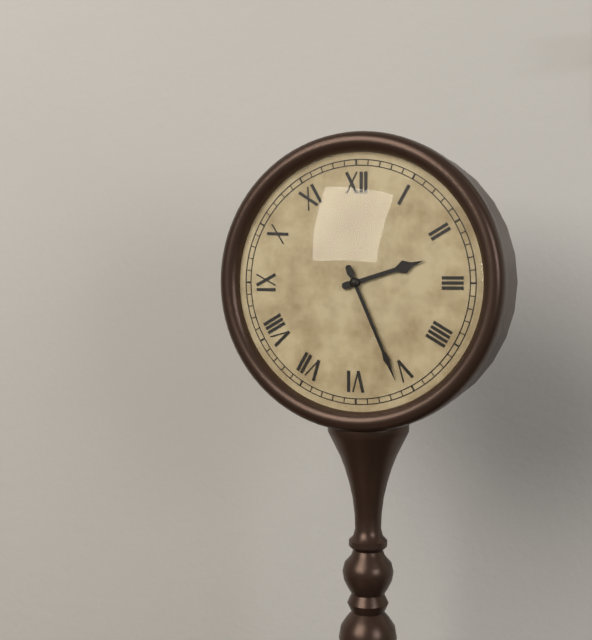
2:26
